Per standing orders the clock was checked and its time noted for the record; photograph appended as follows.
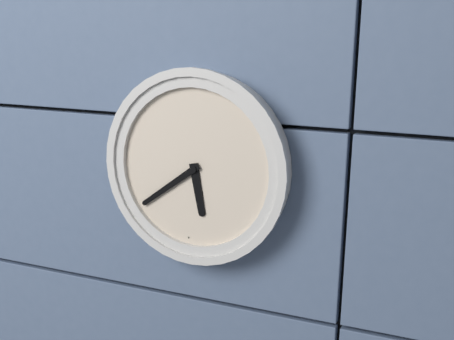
5:39
